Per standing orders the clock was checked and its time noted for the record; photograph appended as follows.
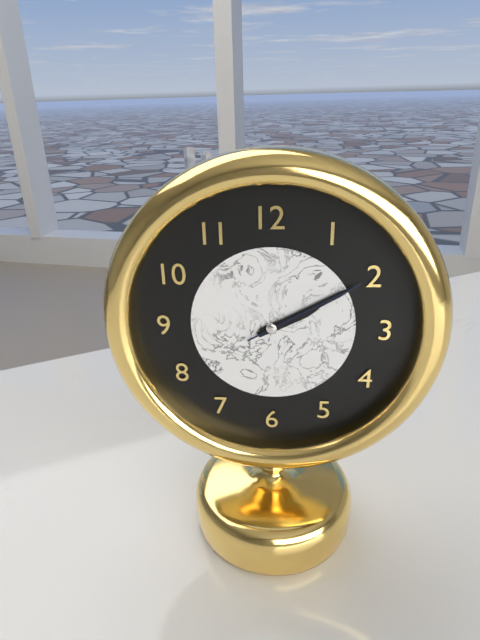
2:10:10
